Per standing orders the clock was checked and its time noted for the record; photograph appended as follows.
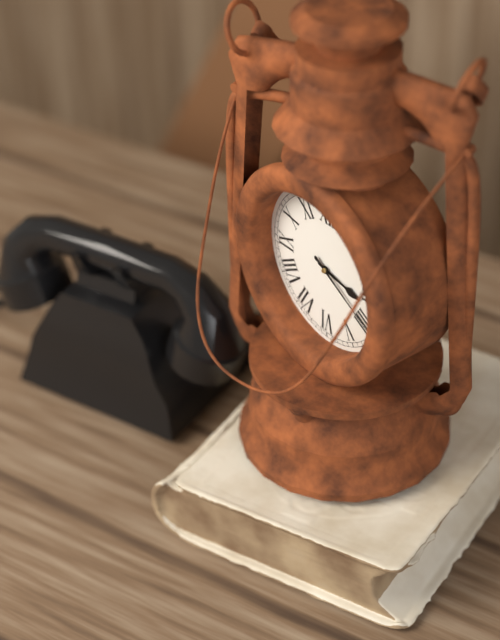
3:20
